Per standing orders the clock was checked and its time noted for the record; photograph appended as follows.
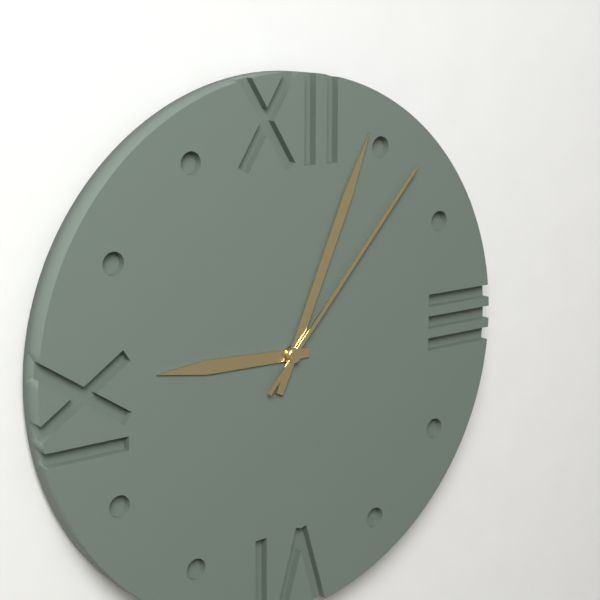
9:04:07
